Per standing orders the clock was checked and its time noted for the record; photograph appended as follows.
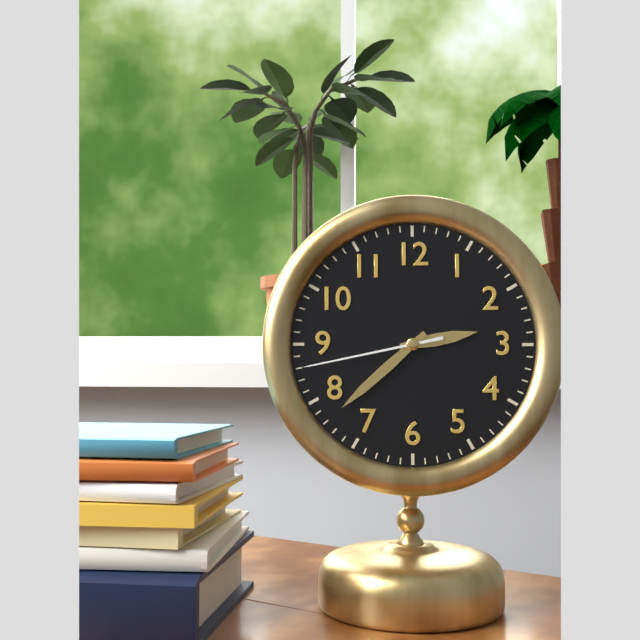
2:38:43
